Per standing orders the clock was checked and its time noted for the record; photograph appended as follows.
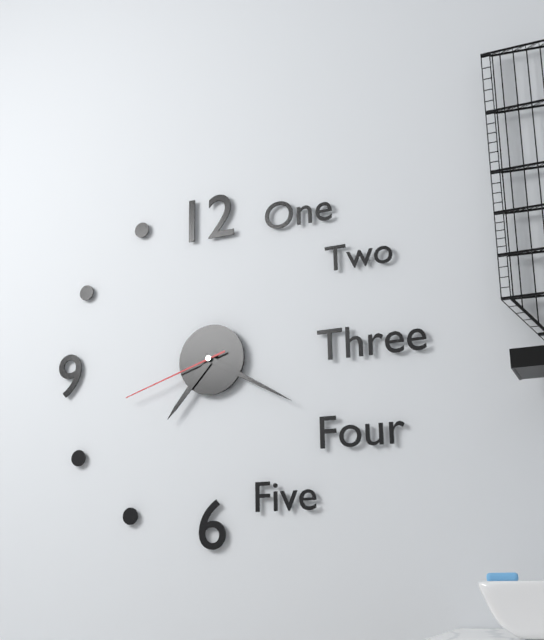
7:20:42
